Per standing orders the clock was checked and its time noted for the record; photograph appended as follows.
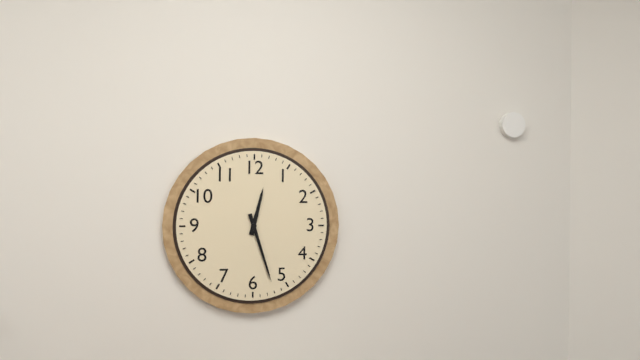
12:27
